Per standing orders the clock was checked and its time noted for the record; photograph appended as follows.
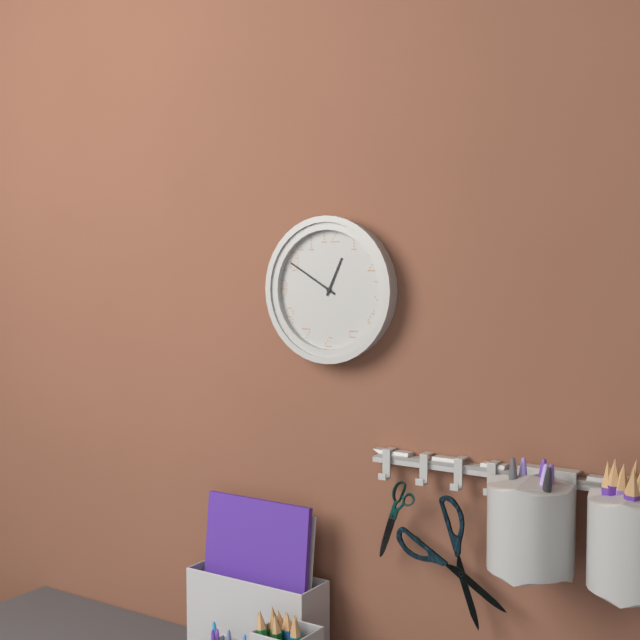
12:50
